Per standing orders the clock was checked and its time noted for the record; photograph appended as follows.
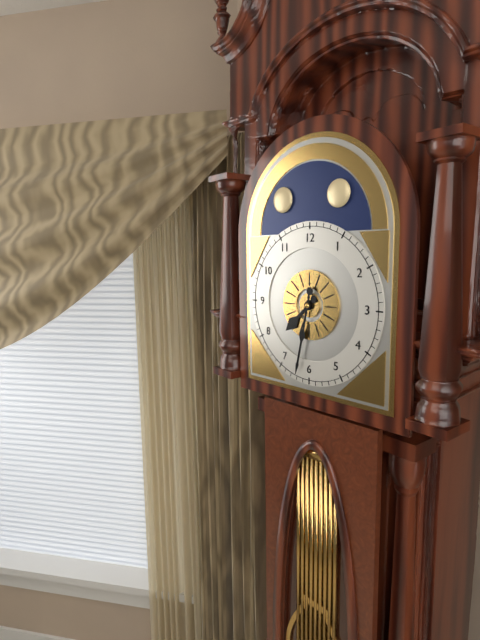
7:32
